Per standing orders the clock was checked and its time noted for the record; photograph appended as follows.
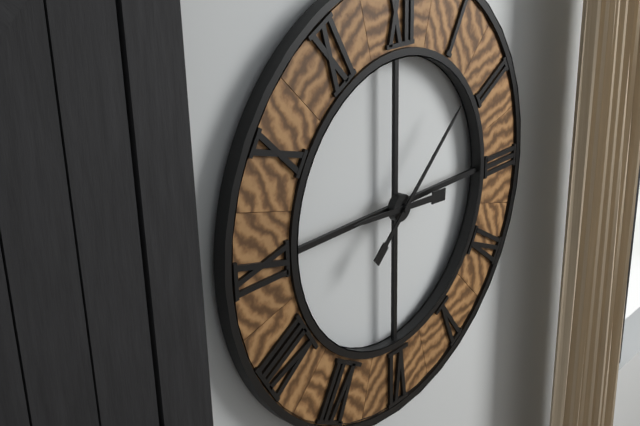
9:08
